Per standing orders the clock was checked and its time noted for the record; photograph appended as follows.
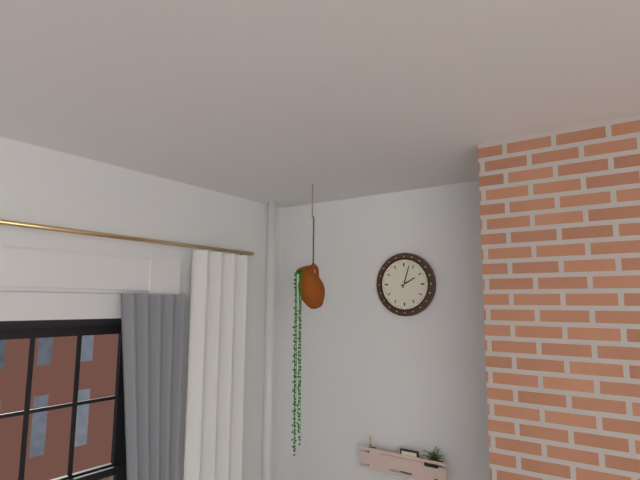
2:03
